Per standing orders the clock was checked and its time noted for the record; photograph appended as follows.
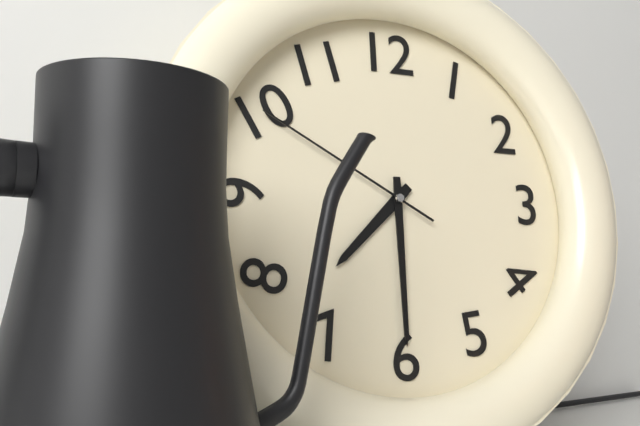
7:30:50
